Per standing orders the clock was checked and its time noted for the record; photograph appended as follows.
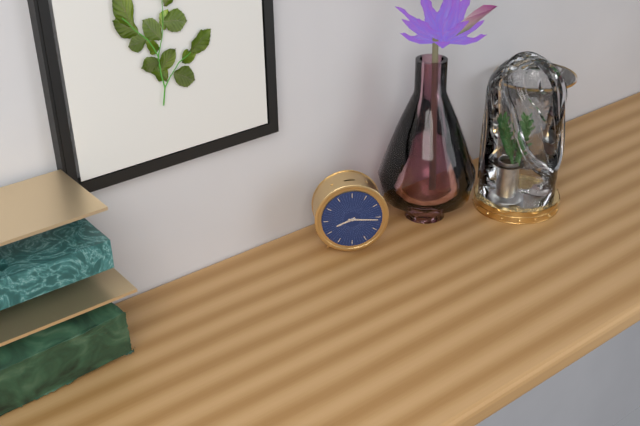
8:16
